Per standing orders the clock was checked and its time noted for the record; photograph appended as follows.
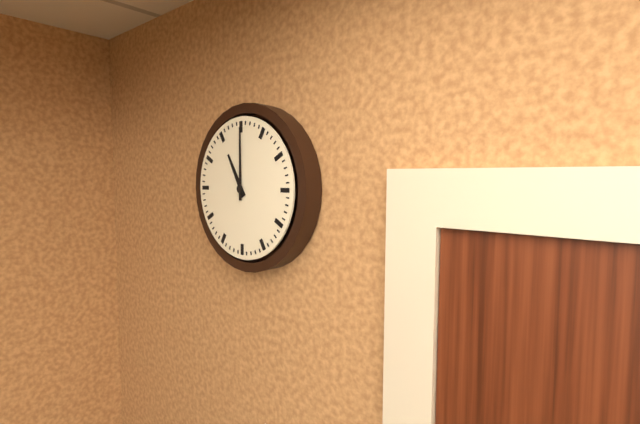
11:00
